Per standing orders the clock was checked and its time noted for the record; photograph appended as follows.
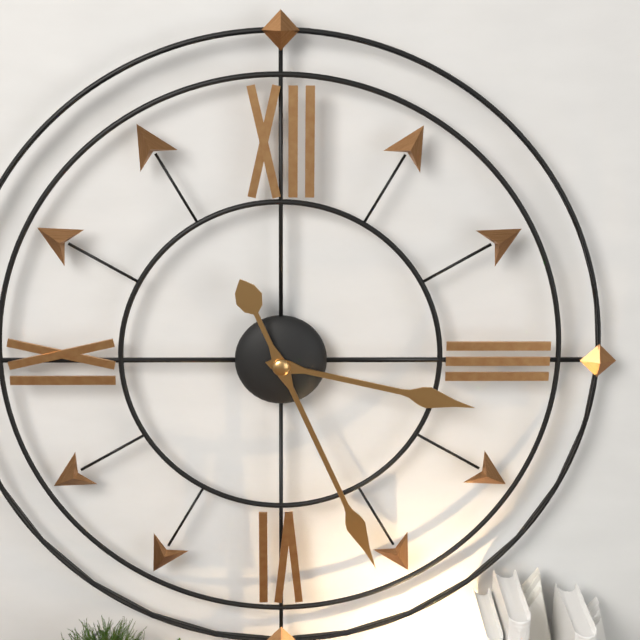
3:26
